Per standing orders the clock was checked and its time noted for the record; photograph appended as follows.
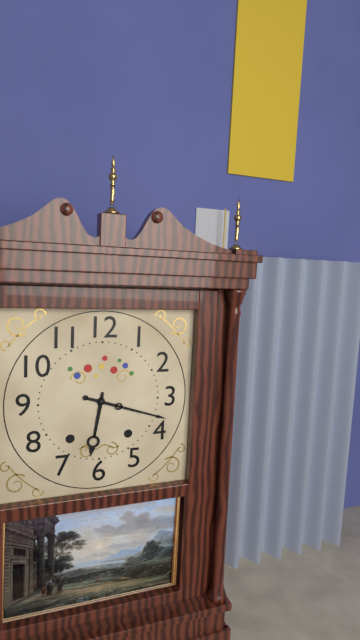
6:18
